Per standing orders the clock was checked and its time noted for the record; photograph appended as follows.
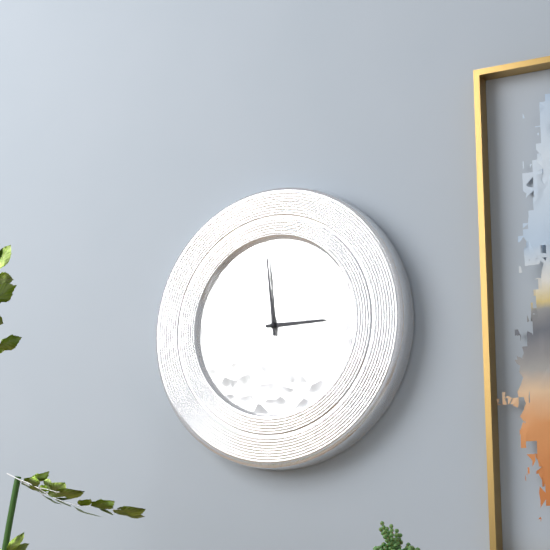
2:59
